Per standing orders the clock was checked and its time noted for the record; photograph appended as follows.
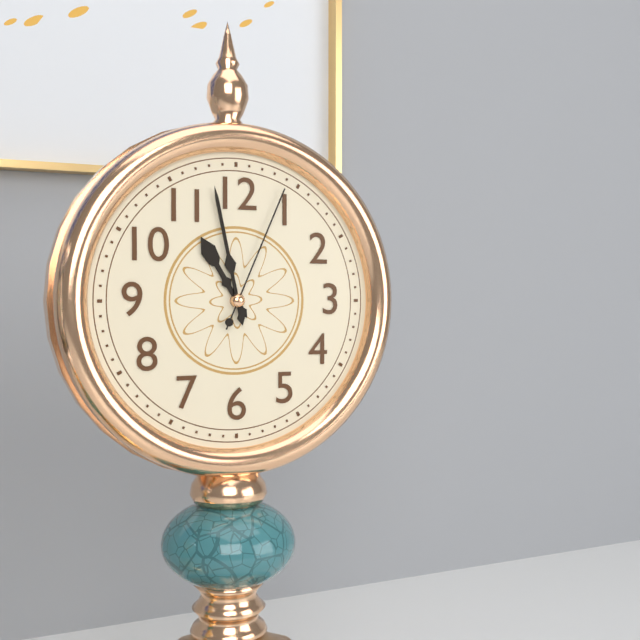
10:58:04
